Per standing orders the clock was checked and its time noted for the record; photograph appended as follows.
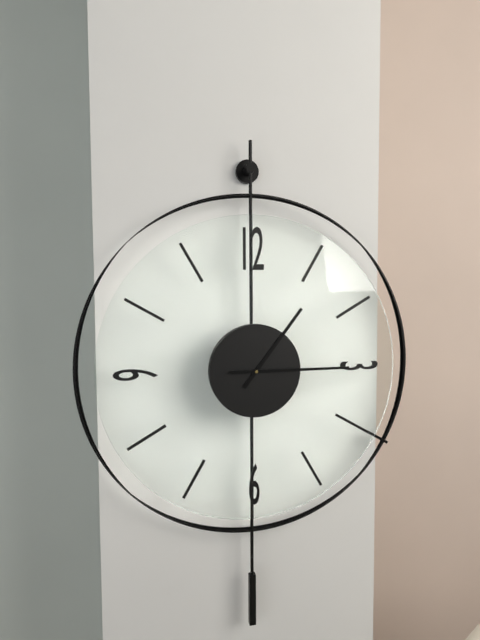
1:15
